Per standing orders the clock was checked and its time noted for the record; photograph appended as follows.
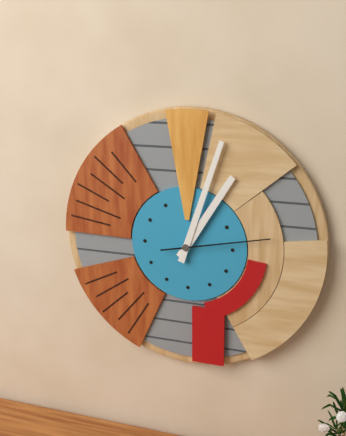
1:03:13
